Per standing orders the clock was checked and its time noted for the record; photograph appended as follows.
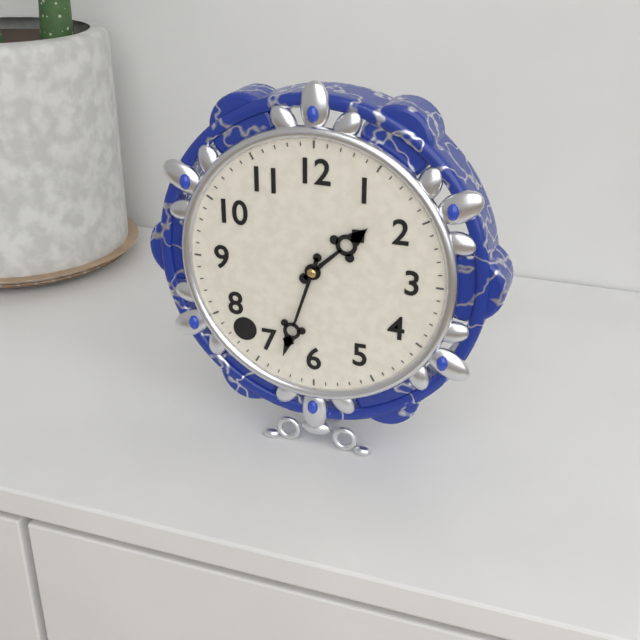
1:33
